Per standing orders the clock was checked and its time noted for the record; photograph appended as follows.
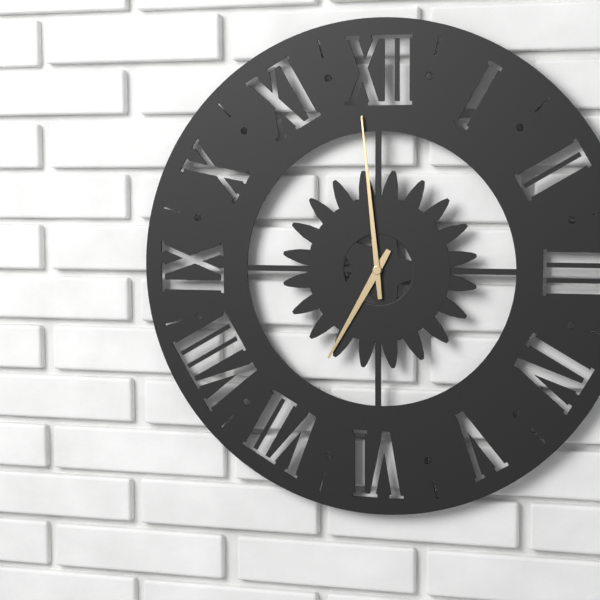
6:59
